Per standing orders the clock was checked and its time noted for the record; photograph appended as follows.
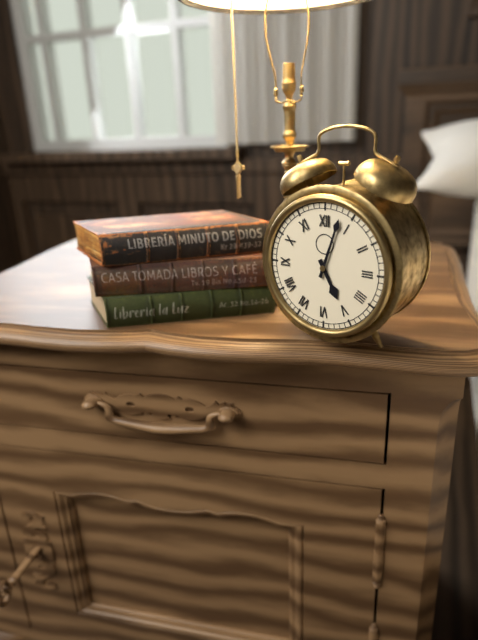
5:03
